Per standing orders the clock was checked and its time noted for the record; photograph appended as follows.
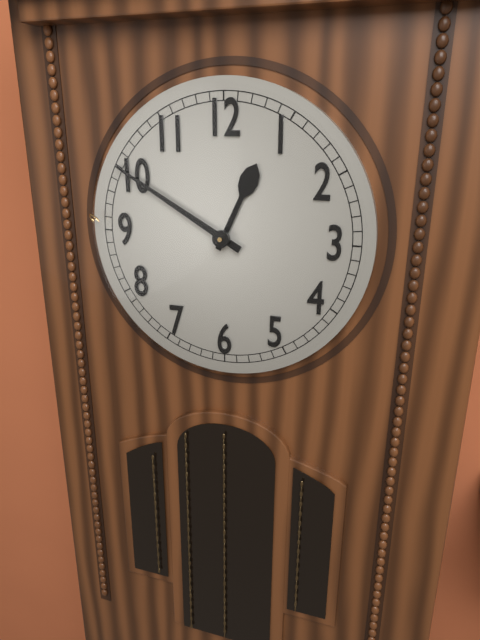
12:50
